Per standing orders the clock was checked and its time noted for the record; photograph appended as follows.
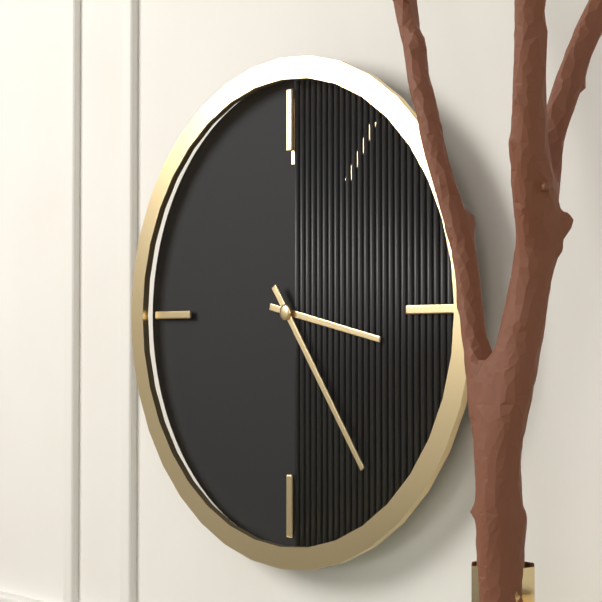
3:24
